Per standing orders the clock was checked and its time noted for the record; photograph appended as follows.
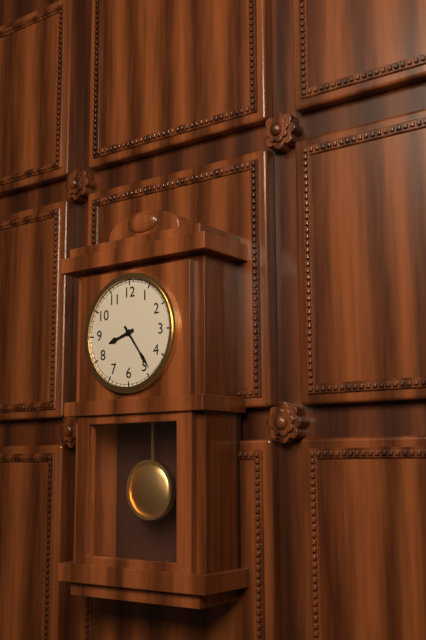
8:24
